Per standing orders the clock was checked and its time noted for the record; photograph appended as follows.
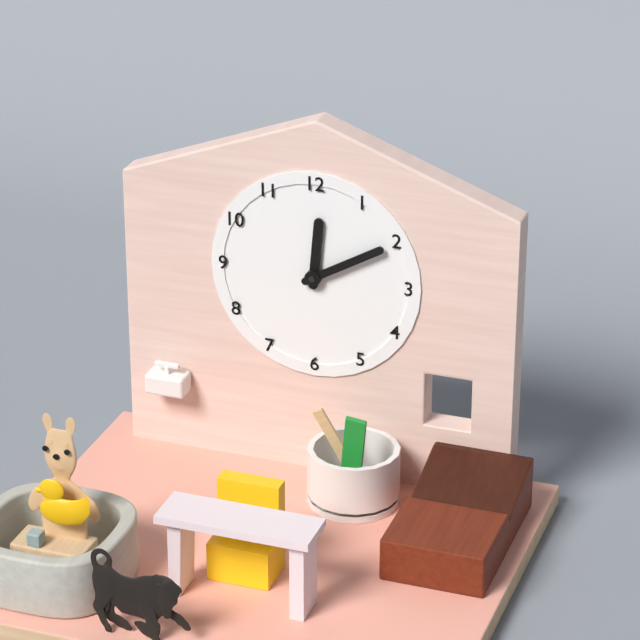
12:10
